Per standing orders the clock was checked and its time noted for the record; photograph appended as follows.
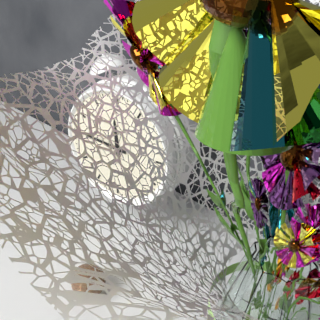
11:46
